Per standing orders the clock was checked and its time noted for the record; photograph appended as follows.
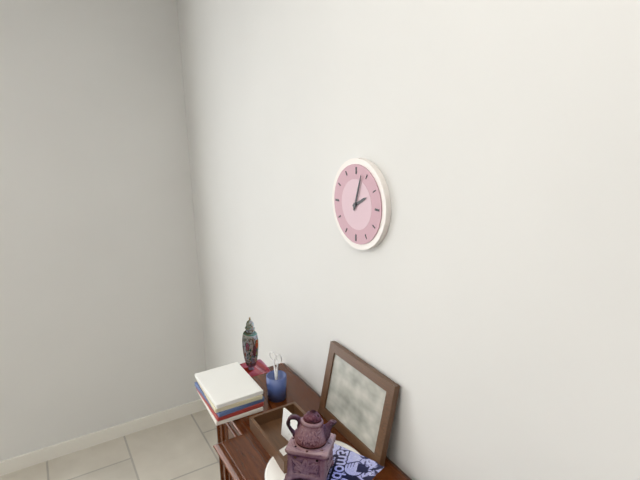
2:03
